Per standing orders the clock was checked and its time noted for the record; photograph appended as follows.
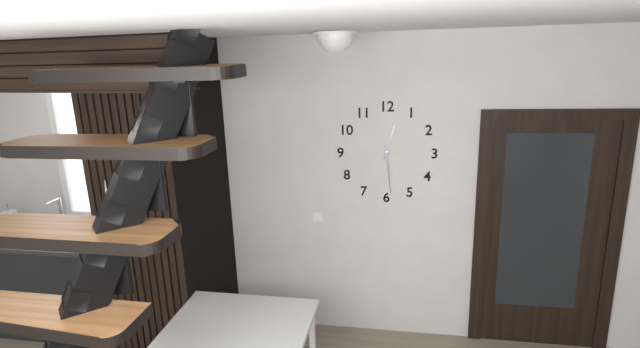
12:29
